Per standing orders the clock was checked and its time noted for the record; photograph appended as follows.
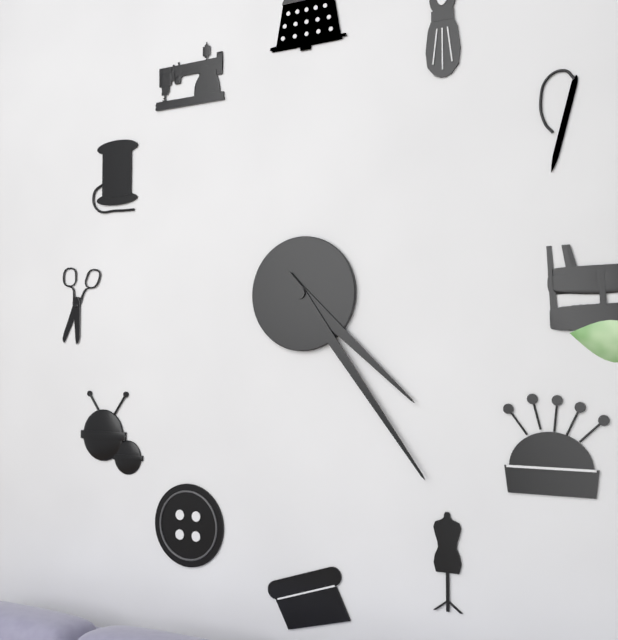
4:24
